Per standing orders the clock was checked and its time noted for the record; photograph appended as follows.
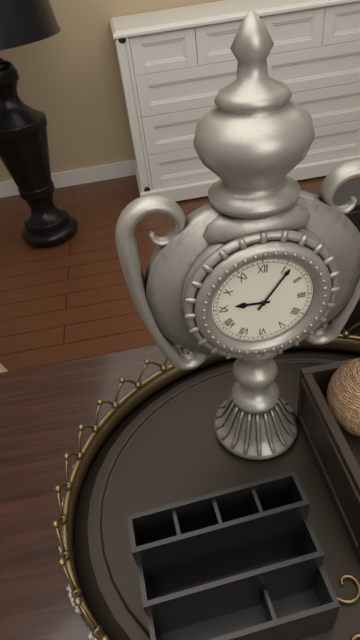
9:06
